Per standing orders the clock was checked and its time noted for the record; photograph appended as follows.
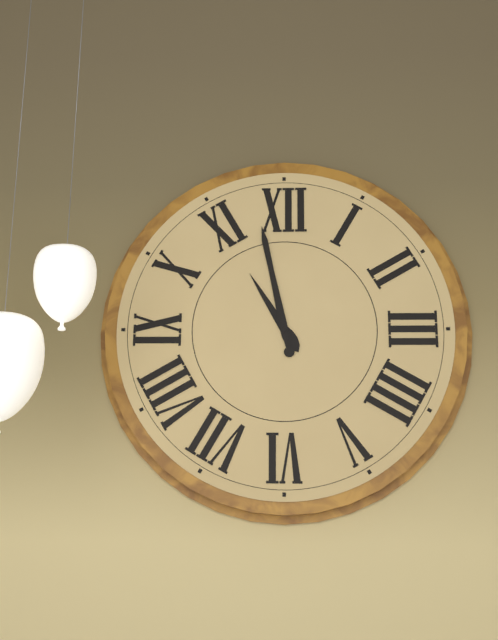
10:58
